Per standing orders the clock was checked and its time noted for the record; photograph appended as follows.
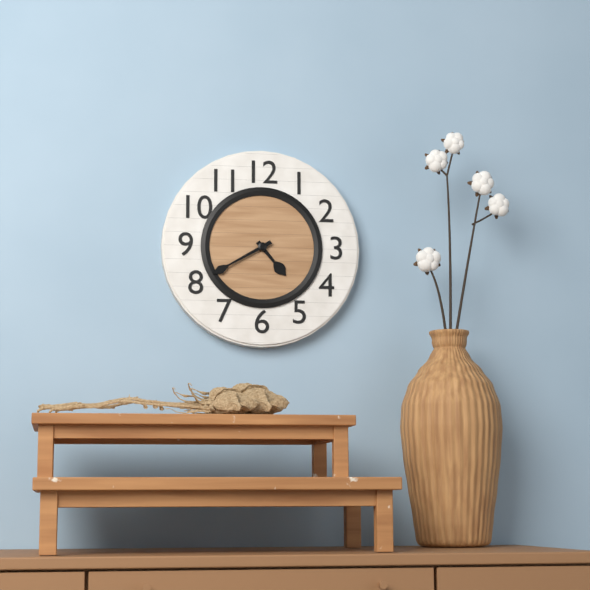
4:40
